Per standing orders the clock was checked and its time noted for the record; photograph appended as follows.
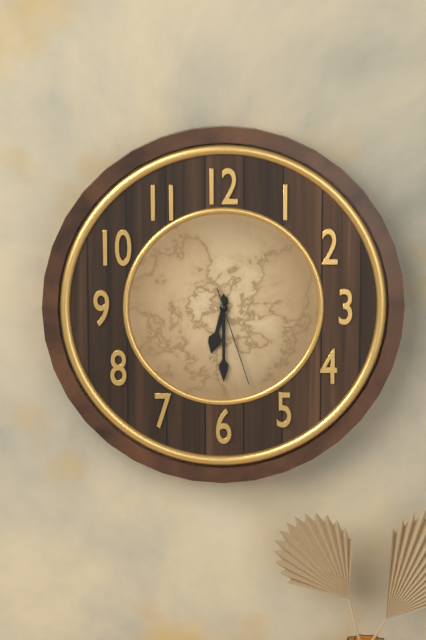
6:30:27
